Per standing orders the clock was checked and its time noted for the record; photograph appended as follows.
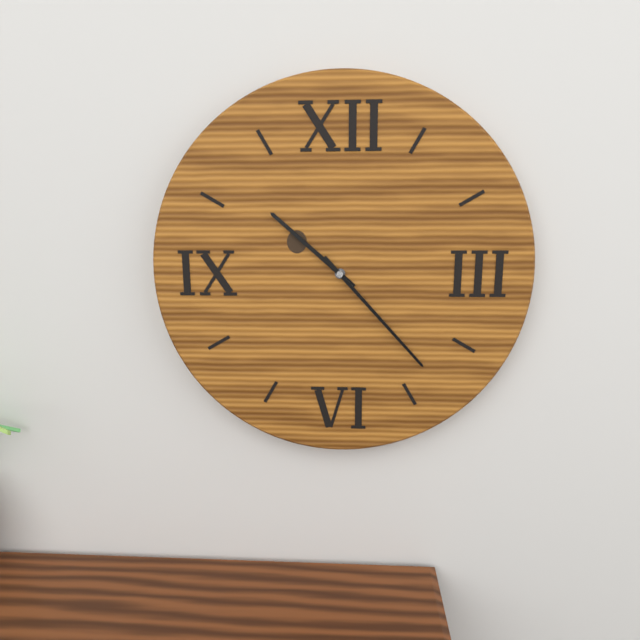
10:23
